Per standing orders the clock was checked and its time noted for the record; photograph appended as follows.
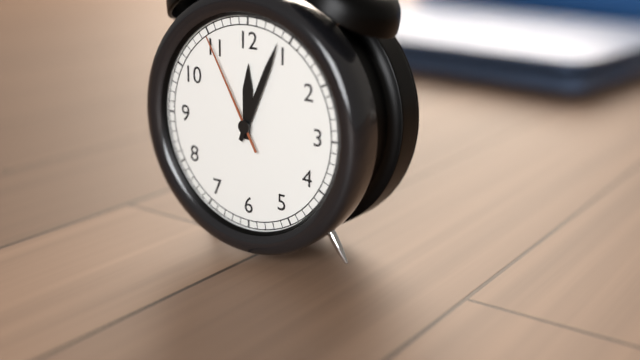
12:04:55
